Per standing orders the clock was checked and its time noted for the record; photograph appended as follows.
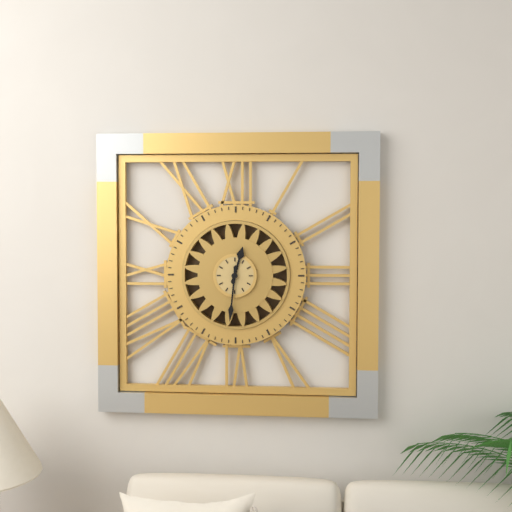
12:31
